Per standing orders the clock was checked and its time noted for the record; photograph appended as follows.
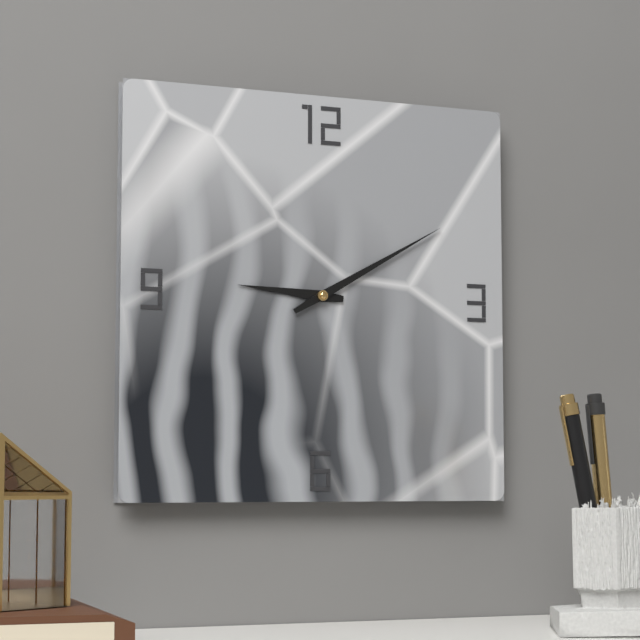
9:10
